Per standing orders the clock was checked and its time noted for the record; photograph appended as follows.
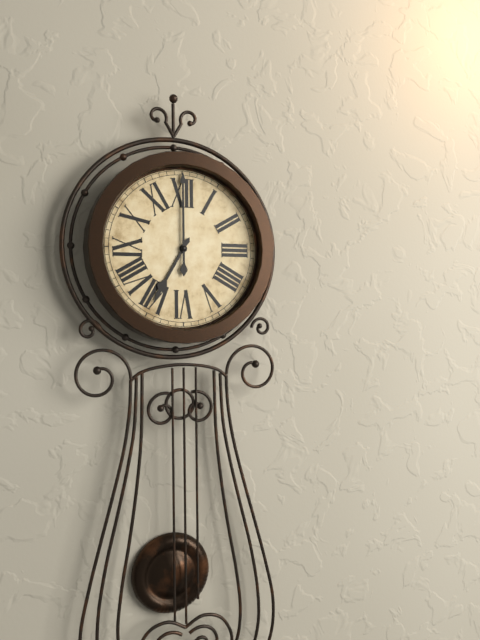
7:00
